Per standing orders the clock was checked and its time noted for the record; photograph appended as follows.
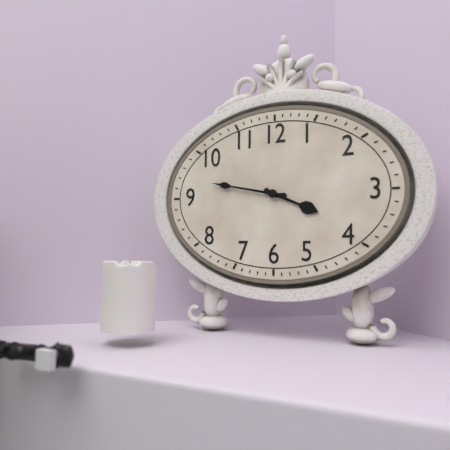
3:47
